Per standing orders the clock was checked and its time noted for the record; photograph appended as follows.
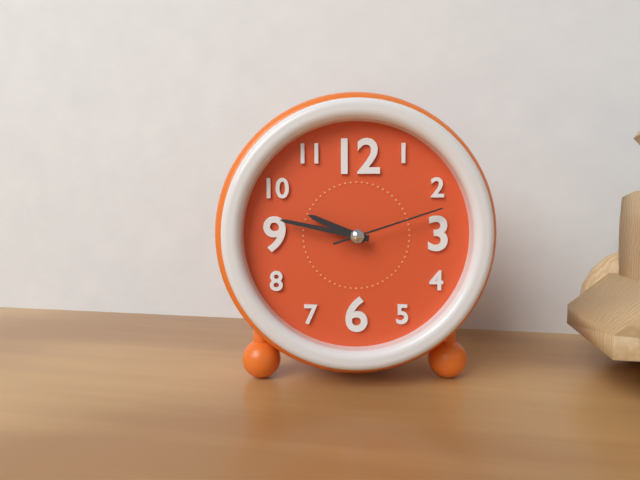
9:47:12
